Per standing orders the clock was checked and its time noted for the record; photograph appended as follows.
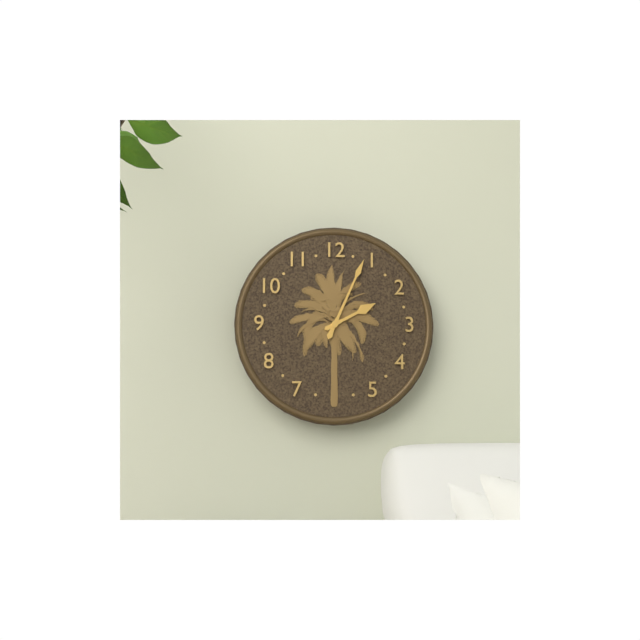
2:04
